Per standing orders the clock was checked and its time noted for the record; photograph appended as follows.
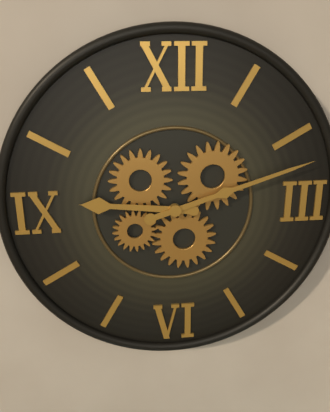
9:12
